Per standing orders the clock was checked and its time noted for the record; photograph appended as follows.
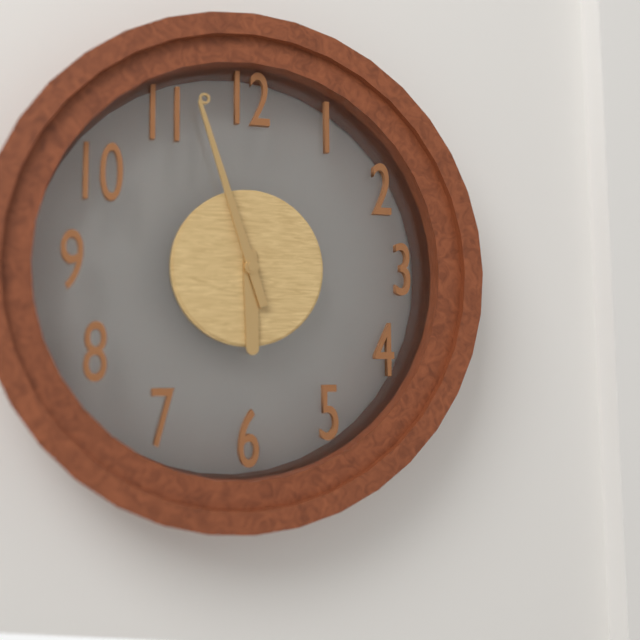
5:57
